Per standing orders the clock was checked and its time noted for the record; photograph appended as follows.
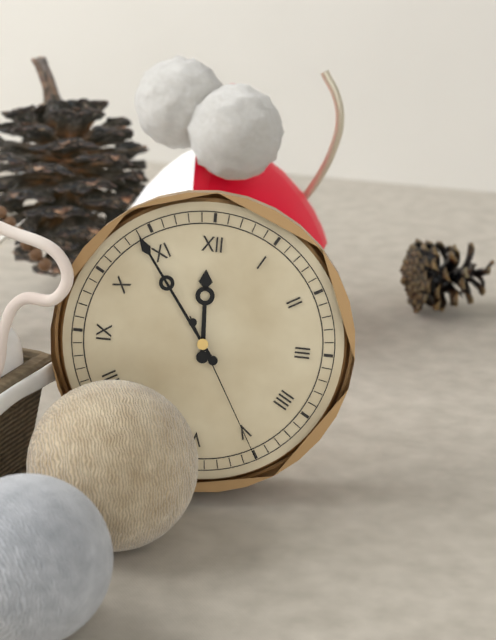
11:54:25
